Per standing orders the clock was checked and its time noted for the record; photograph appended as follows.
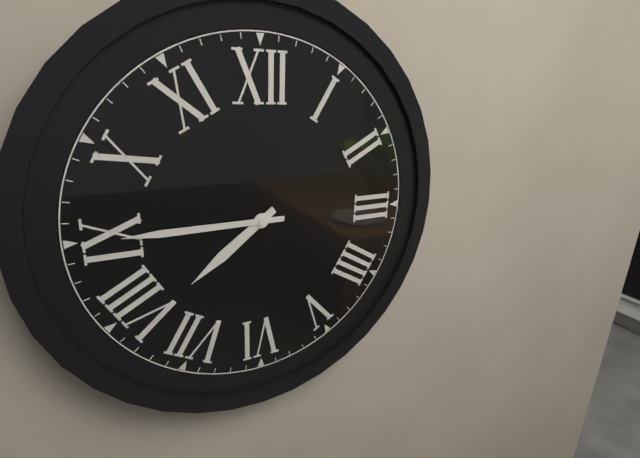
7:45
